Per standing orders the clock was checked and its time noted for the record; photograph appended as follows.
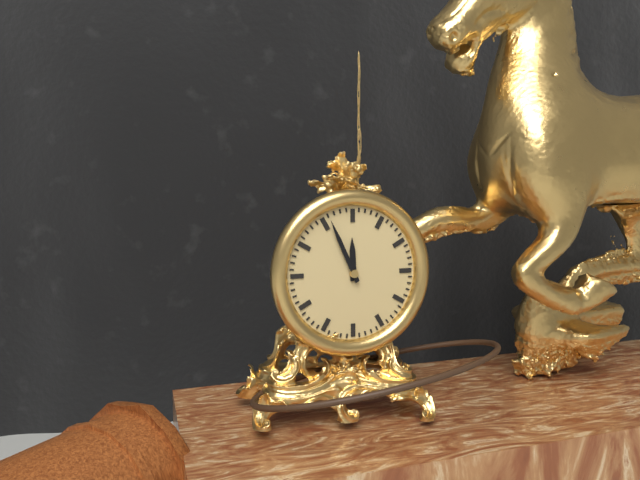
11:56
